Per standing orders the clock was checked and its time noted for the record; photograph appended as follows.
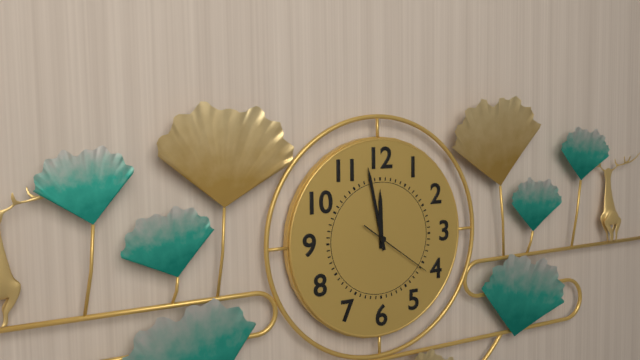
11:58:21
